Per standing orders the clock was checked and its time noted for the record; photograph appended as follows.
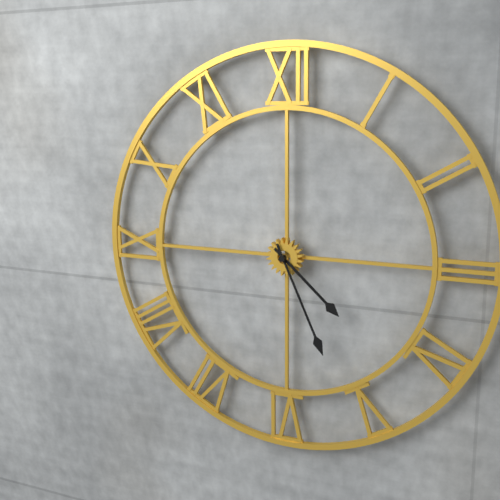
4:26
